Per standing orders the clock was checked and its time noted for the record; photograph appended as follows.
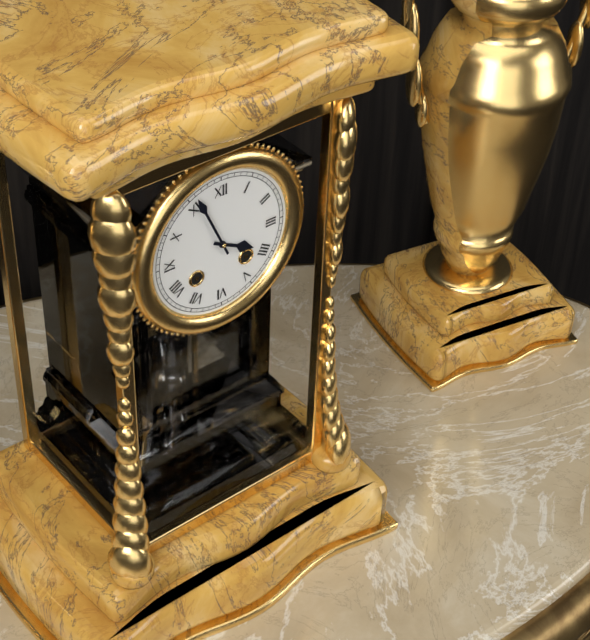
3:56
